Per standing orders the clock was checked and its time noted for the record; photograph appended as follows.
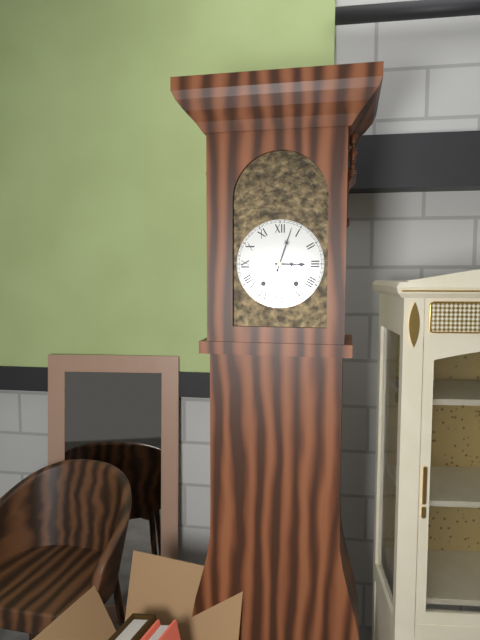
3:03
